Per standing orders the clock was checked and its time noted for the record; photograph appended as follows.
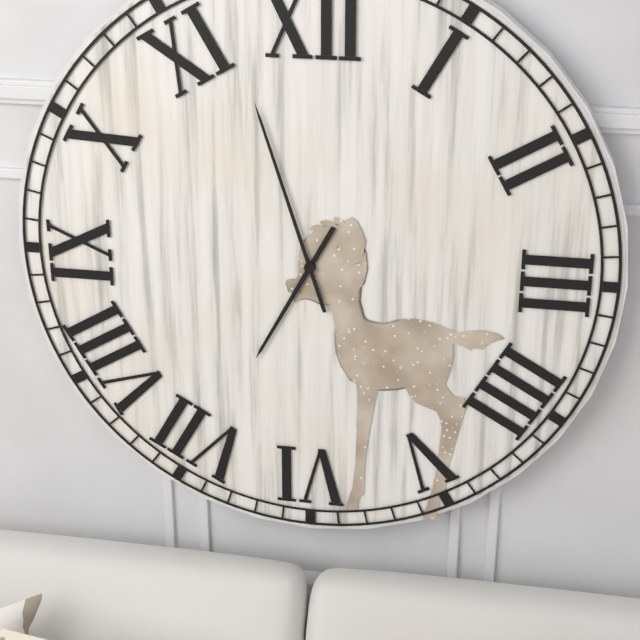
6:57
